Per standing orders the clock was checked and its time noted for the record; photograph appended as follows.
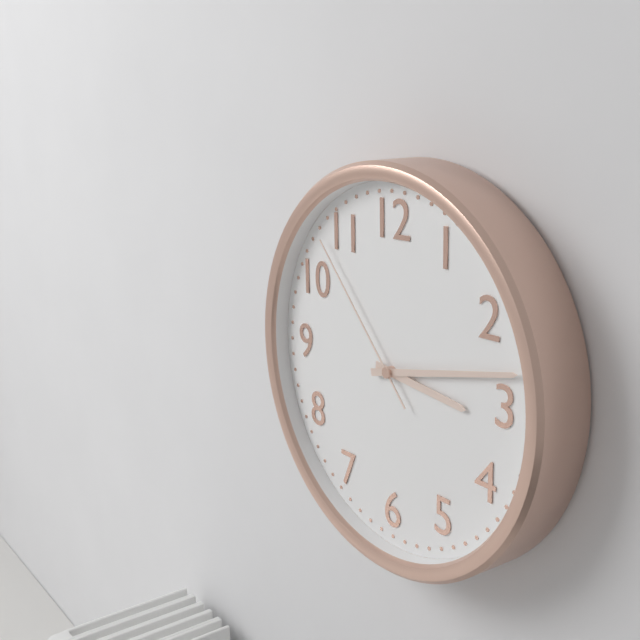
3:13:53
